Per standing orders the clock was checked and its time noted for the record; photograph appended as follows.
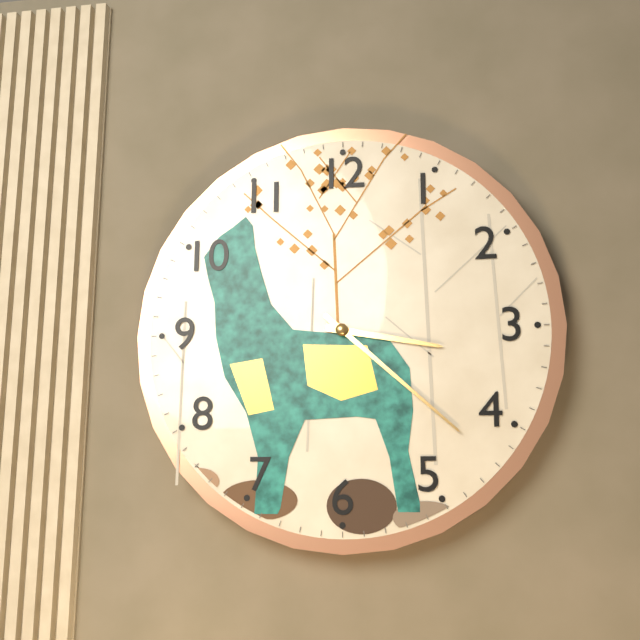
3:22
